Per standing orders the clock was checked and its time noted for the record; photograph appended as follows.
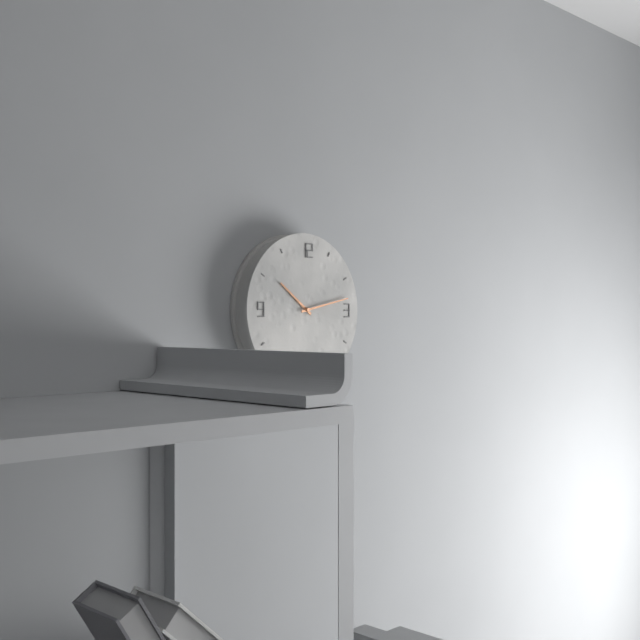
10:13
